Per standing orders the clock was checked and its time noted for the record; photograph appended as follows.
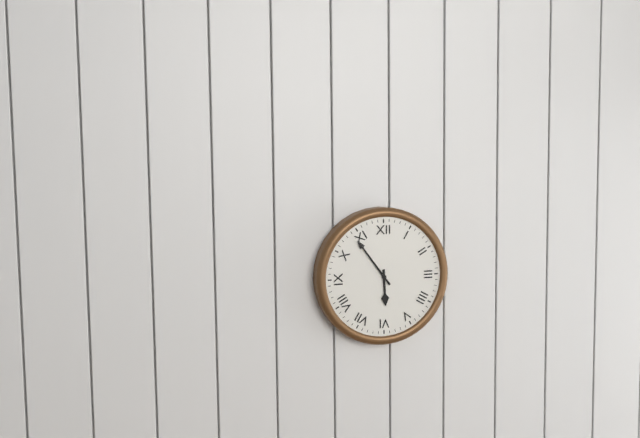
5:54
